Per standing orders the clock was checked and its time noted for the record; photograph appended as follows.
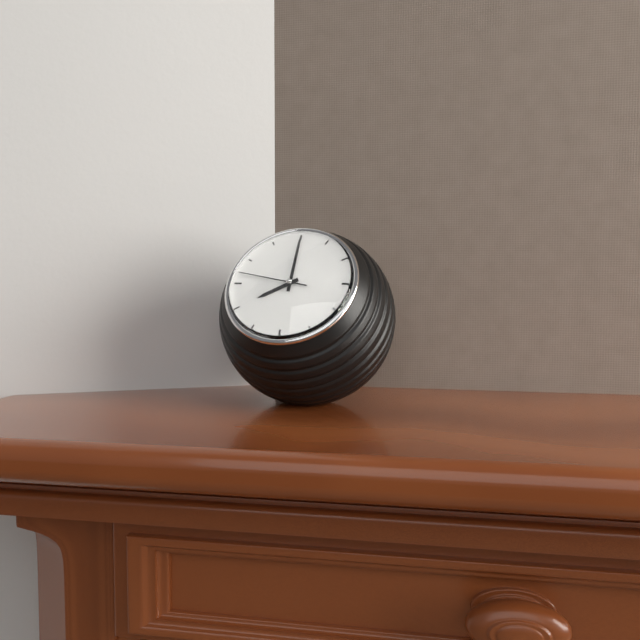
8:00:47
